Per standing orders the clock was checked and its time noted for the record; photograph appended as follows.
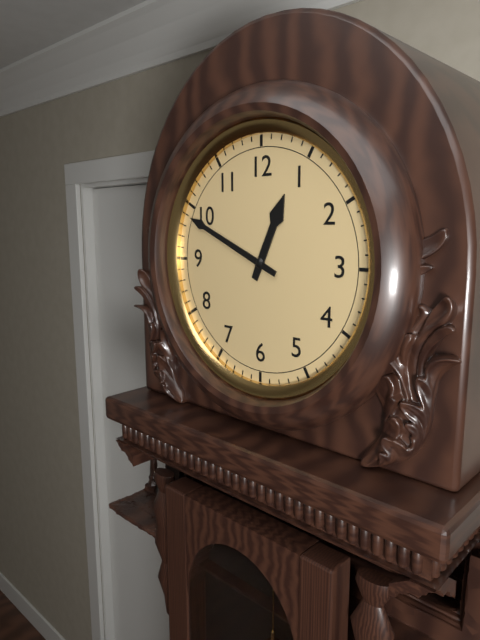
12:49
